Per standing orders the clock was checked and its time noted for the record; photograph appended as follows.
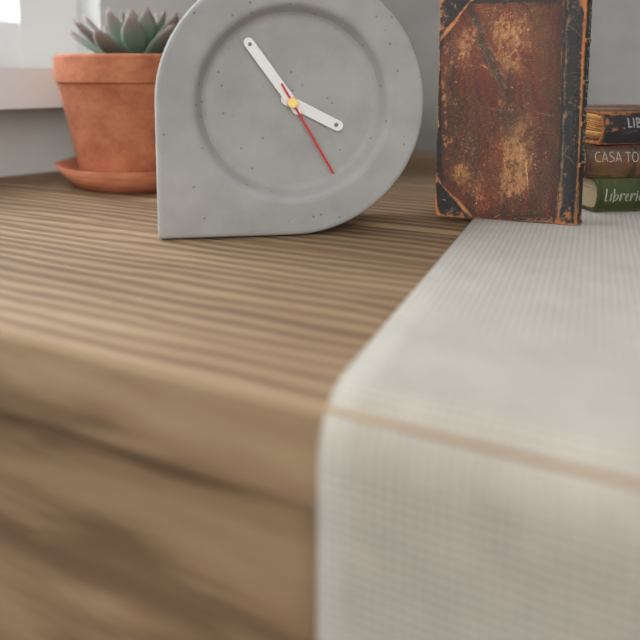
3:54:25
